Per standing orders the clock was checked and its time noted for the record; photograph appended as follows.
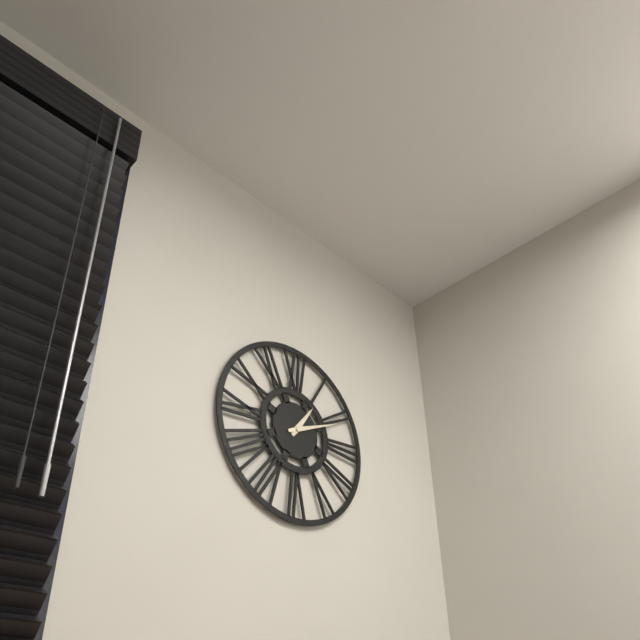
1:11
